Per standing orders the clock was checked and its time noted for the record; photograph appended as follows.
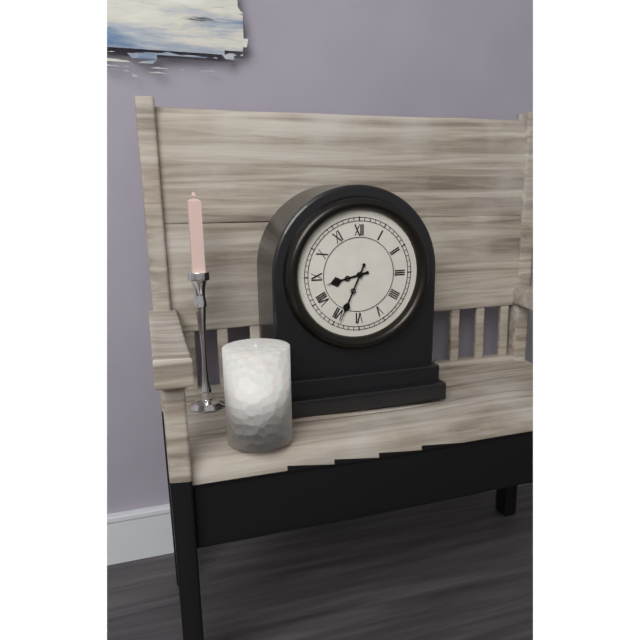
8:34
